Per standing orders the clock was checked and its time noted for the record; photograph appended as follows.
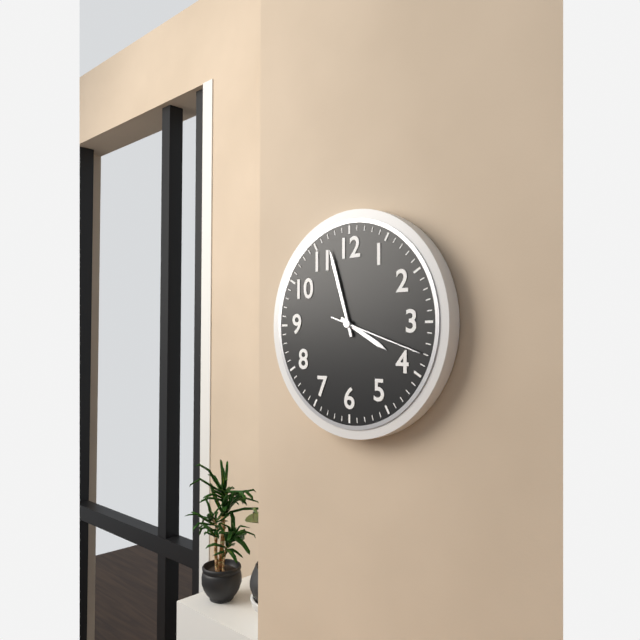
3:57:18
